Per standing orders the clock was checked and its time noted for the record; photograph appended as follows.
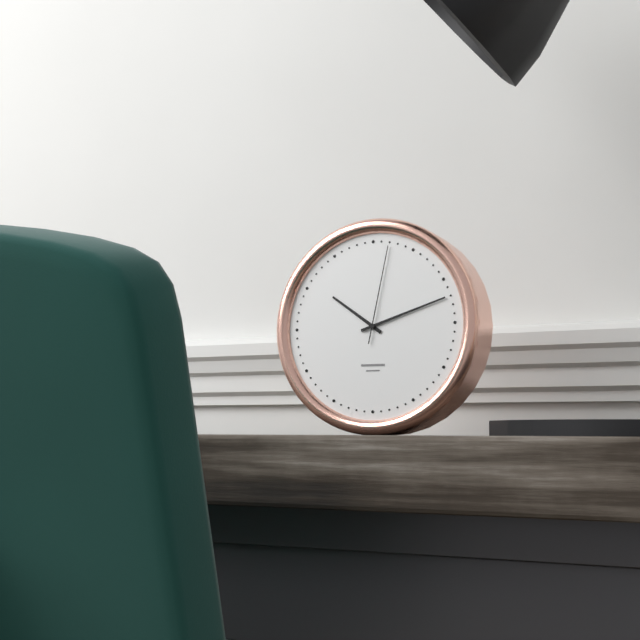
10:12:02
